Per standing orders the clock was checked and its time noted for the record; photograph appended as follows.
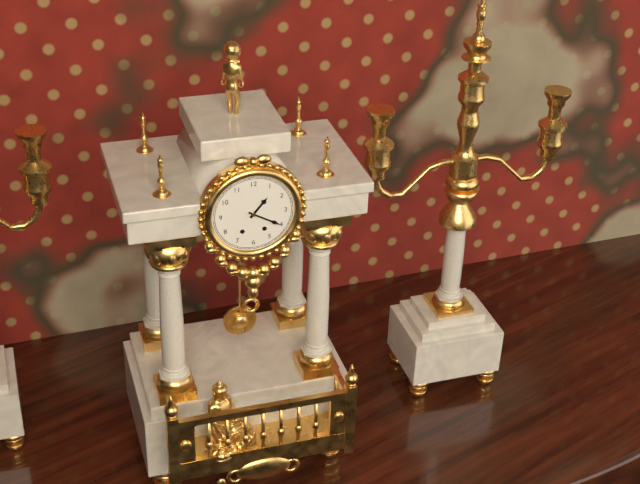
1:20
